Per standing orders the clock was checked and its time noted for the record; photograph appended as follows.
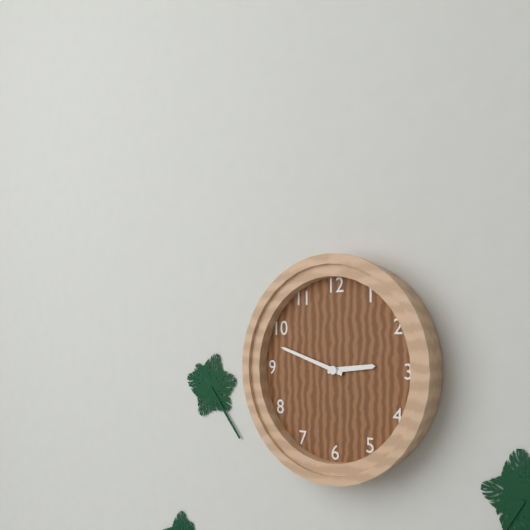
2:48
